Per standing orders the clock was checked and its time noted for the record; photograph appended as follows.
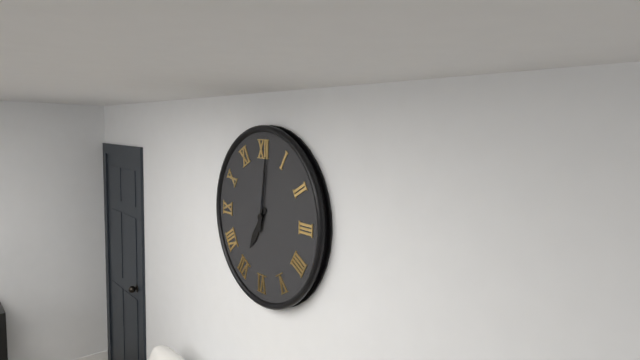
7:01
